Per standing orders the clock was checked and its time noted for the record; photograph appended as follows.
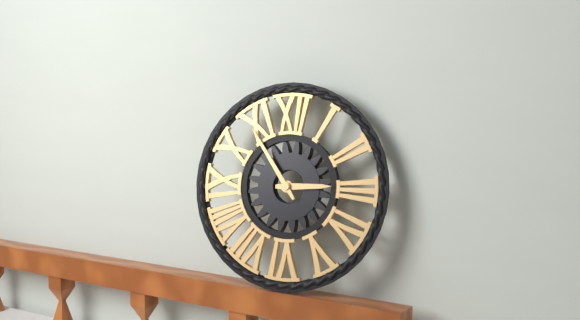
2:54
